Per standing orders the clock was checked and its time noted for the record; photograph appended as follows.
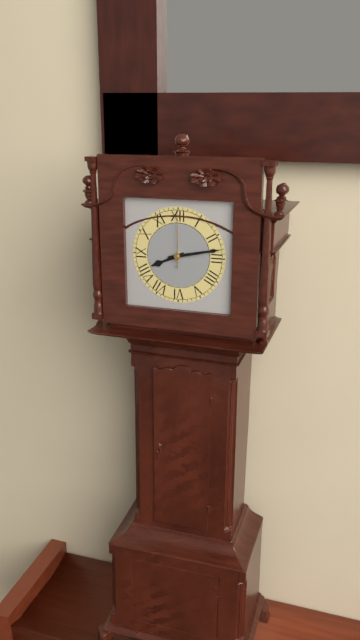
8:13:00
